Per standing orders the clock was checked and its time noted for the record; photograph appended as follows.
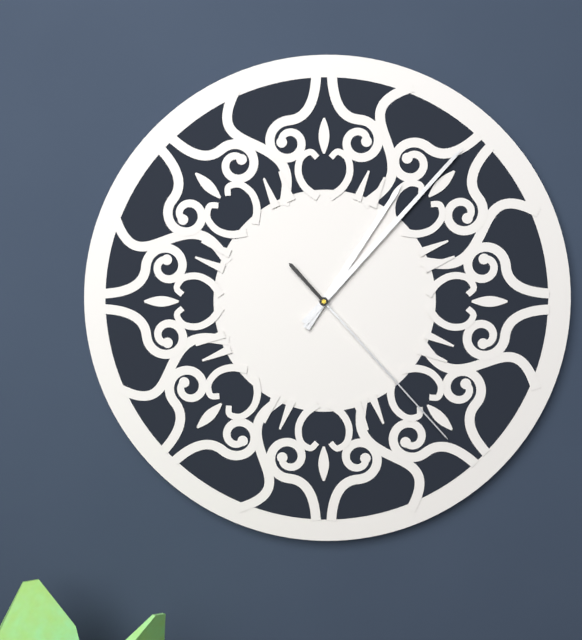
1:07:23
